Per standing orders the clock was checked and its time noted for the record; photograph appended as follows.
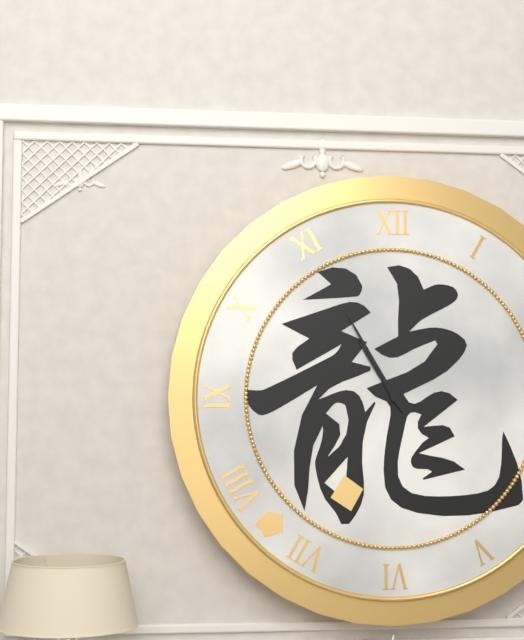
10:55
